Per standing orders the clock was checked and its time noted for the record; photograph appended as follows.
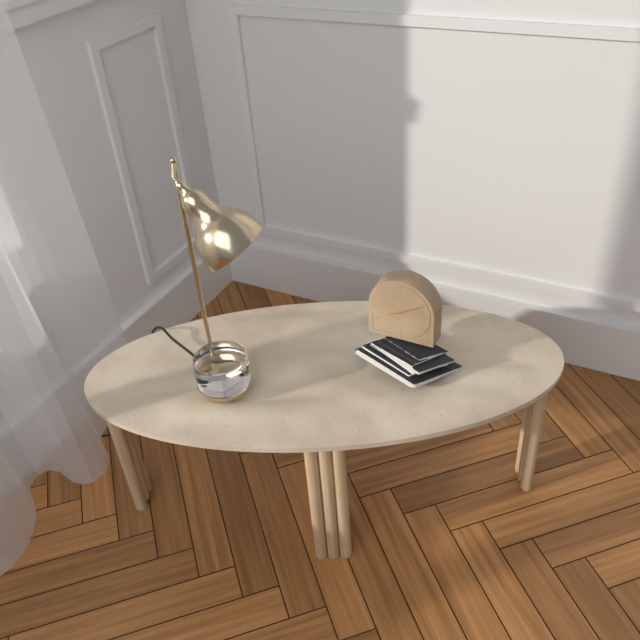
8:10
